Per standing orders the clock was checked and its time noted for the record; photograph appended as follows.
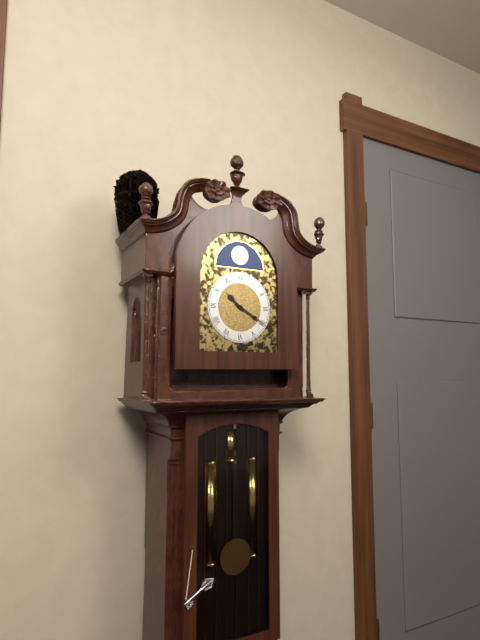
10:20
